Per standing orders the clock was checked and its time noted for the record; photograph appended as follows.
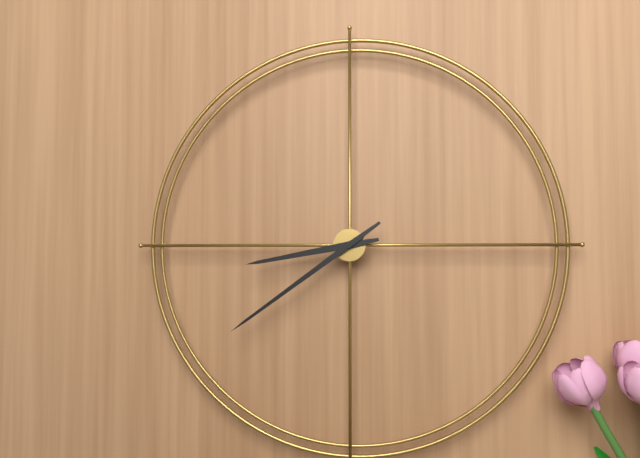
8:39
